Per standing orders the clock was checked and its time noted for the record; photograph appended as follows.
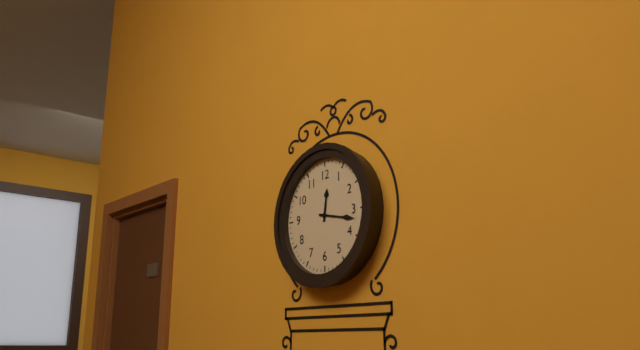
12:17
